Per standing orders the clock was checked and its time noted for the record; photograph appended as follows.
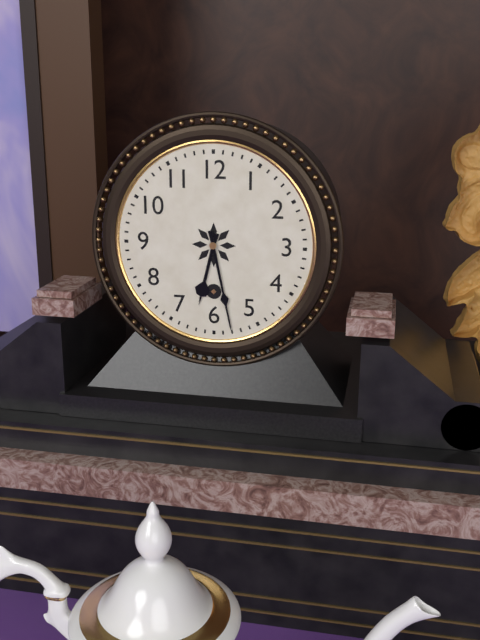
6:28
